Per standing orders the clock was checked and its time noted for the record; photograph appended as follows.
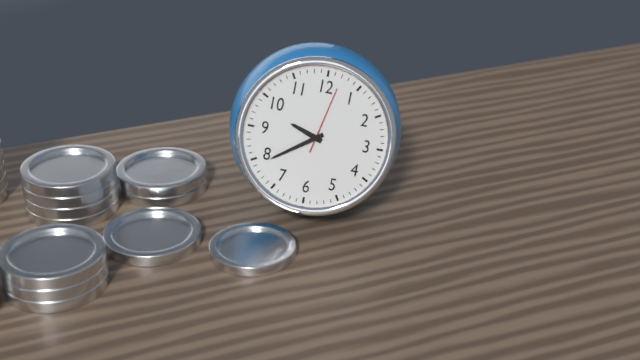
9:39:02
